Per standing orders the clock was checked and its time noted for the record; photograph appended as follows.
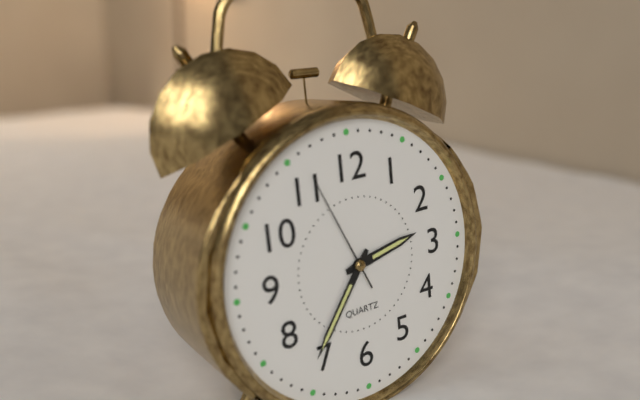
2:36:56
